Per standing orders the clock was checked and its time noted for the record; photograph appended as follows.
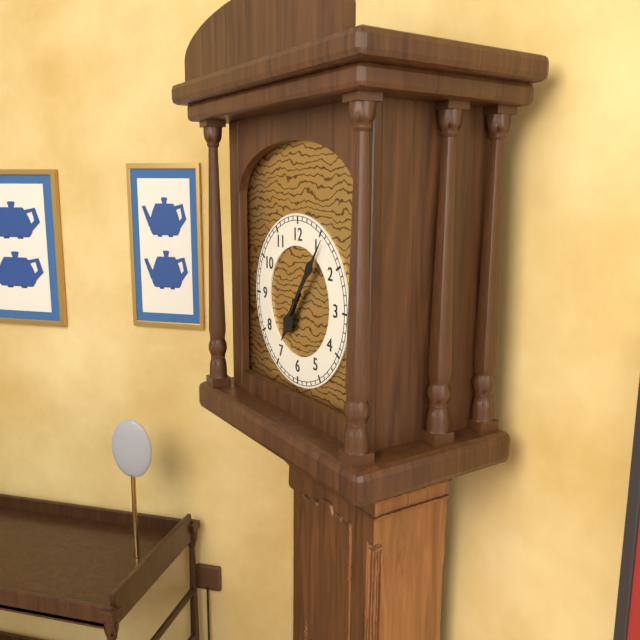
7:06
